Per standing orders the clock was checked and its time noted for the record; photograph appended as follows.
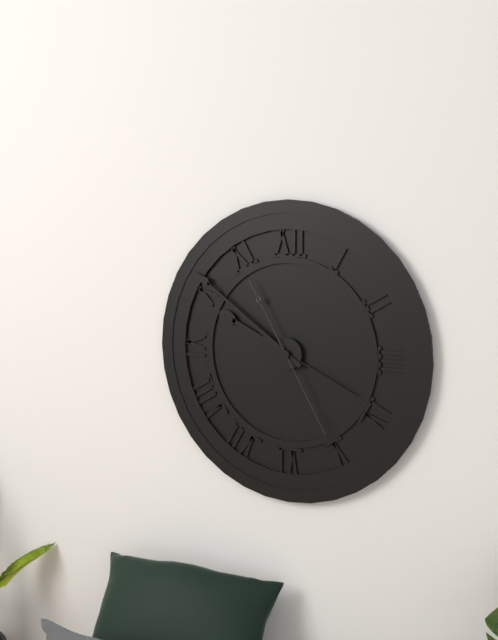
9:51:25
